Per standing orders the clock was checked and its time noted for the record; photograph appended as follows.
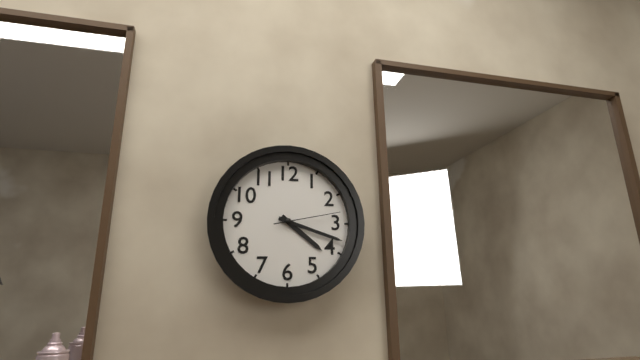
4:18:13
